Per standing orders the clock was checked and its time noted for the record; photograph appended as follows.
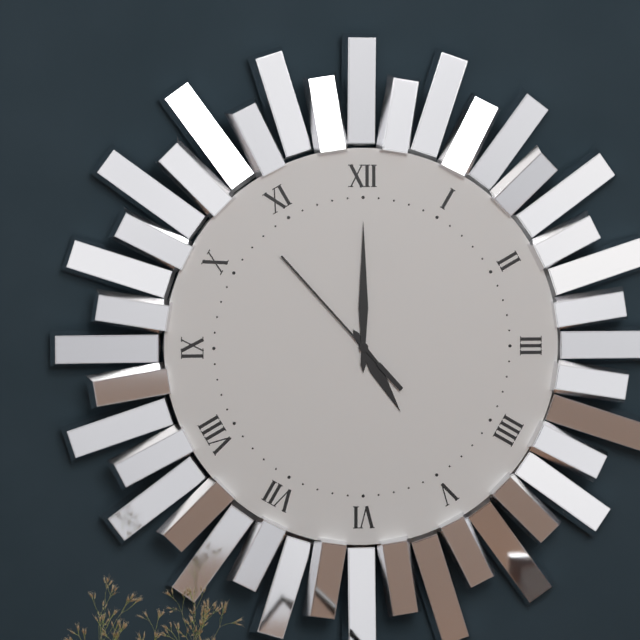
5:00:53
